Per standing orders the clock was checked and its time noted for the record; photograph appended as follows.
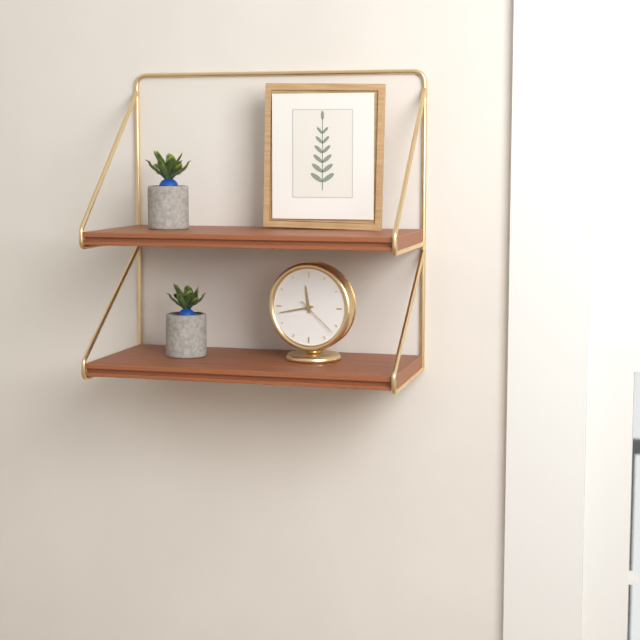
11:43
